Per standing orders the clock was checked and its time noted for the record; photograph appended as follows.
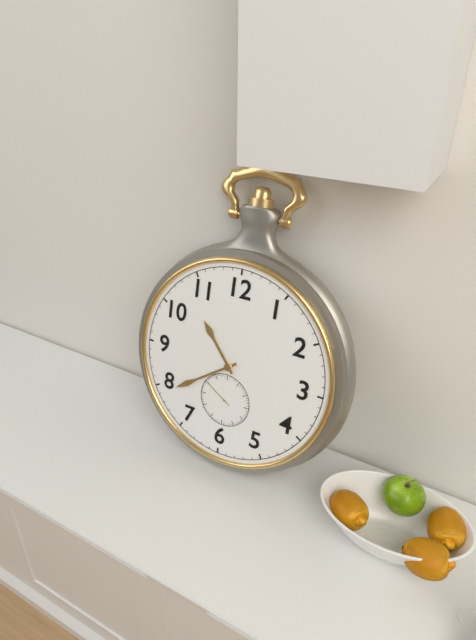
10:39
